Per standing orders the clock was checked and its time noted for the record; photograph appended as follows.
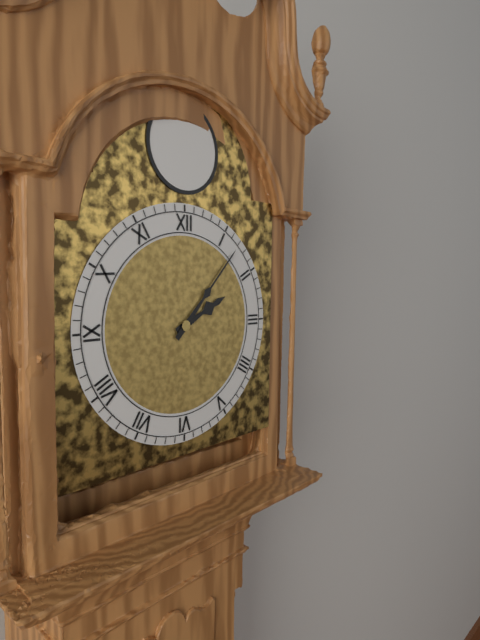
2:07
